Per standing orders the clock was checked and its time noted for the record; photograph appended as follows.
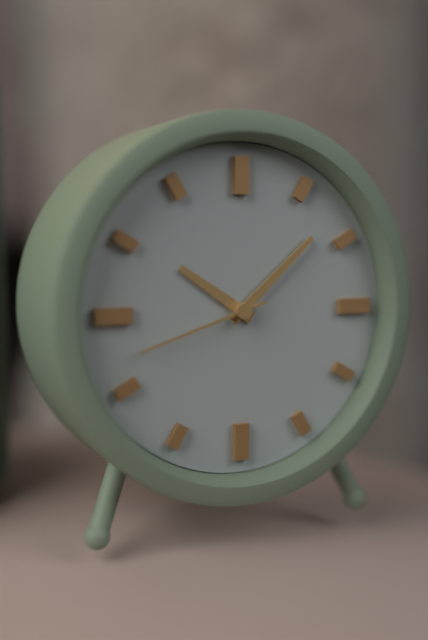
10:08:42
